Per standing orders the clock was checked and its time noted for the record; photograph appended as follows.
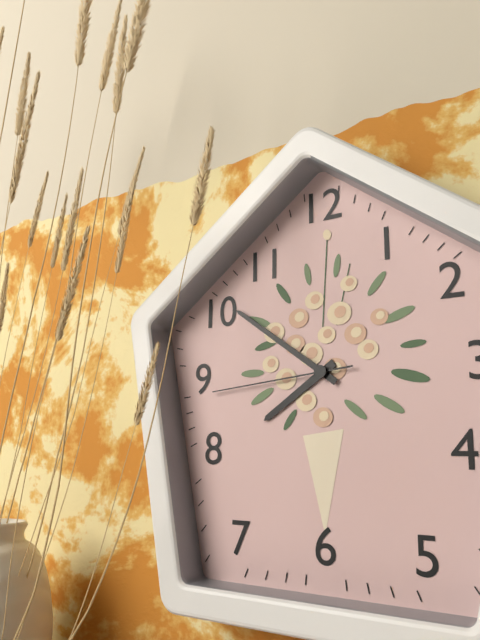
7:51:44
